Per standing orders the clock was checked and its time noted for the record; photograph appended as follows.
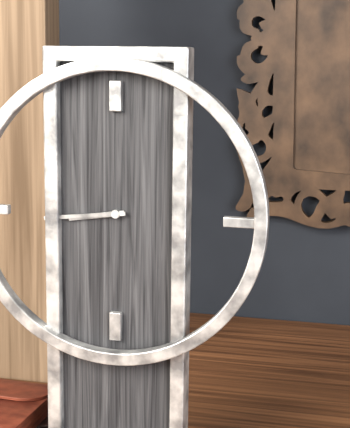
8:44
